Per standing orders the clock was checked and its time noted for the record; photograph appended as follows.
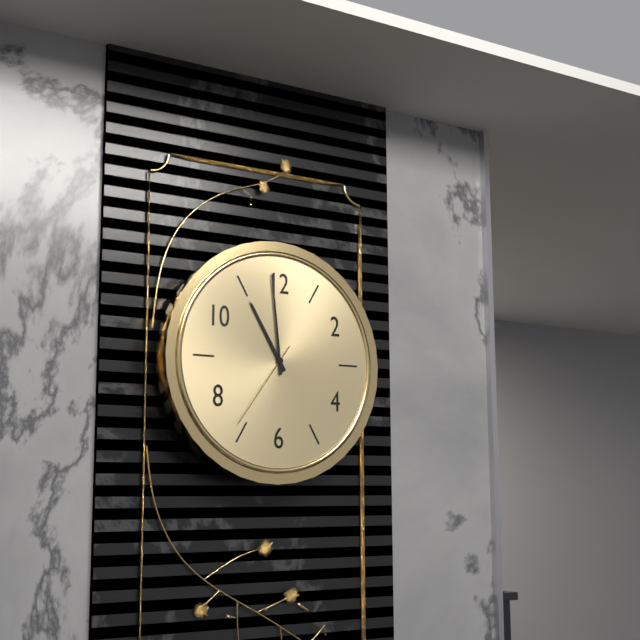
10:59:36
